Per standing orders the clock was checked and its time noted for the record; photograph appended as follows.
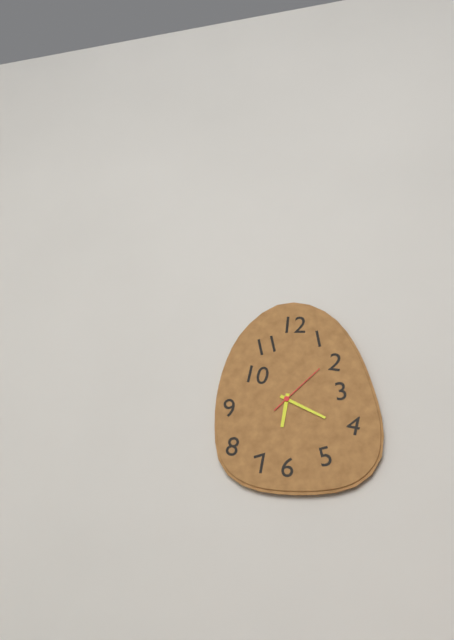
6:20:08
